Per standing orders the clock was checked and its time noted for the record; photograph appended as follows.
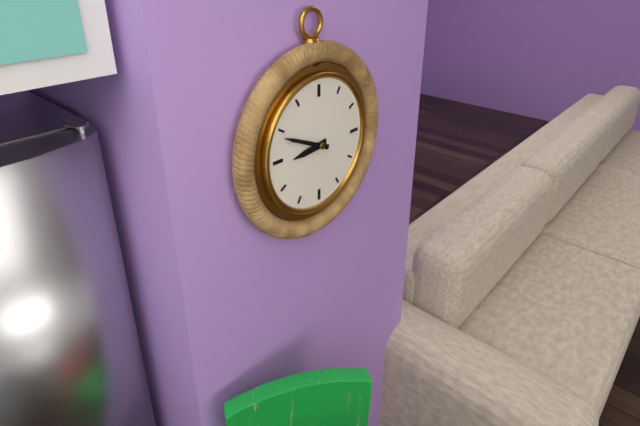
8:49
